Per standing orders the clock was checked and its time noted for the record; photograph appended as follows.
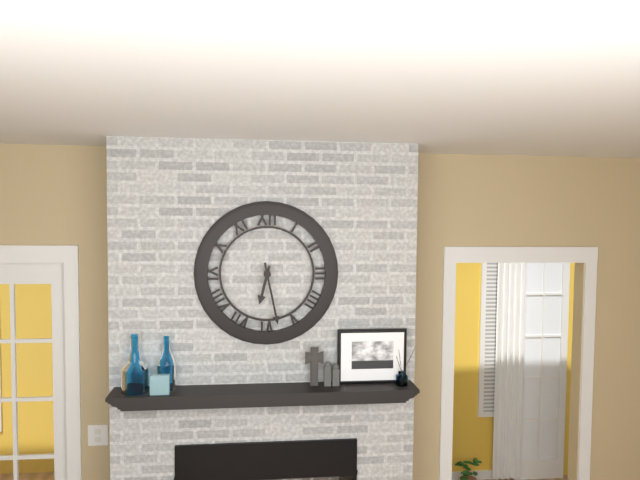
6:28
